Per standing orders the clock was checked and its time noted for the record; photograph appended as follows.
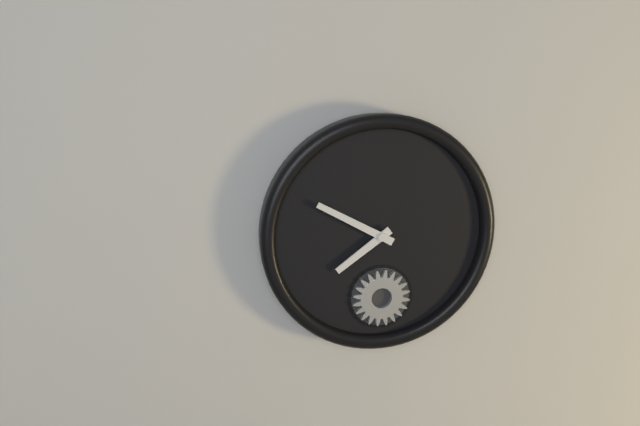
7:50
